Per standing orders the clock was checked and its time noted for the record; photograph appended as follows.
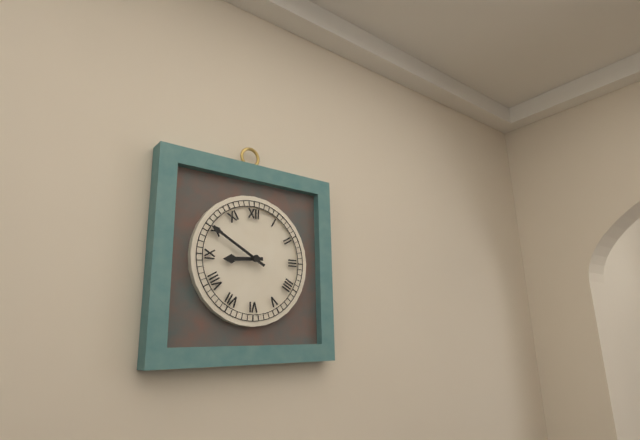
8:50
